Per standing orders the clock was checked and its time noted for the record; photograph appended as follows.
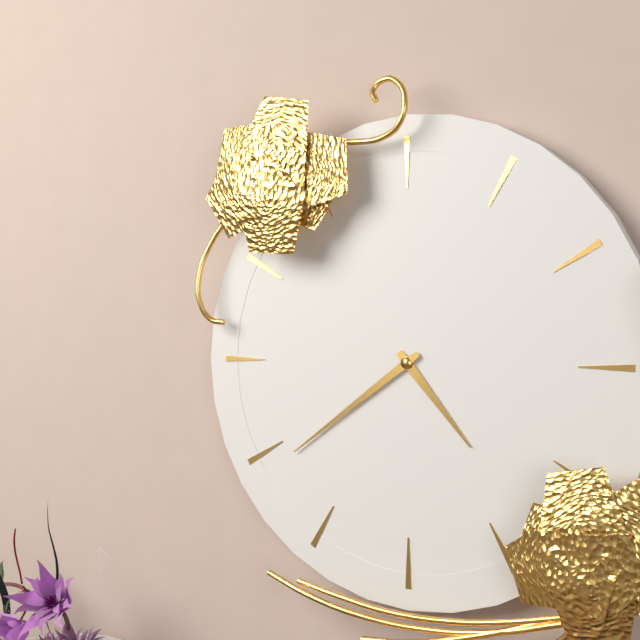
4:39
